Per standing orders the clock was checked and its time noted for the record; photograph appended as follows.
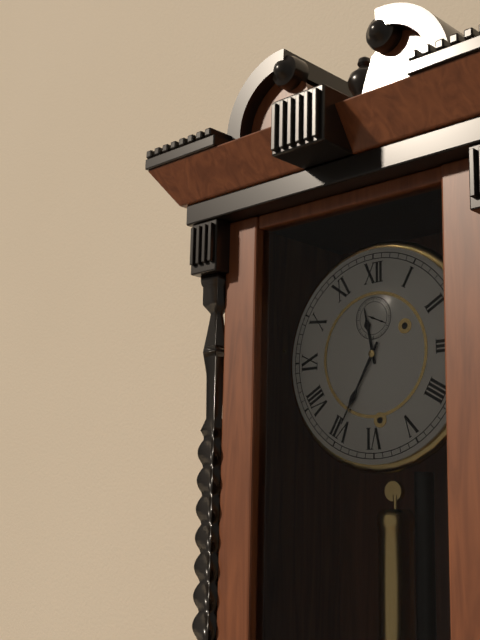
11:35
